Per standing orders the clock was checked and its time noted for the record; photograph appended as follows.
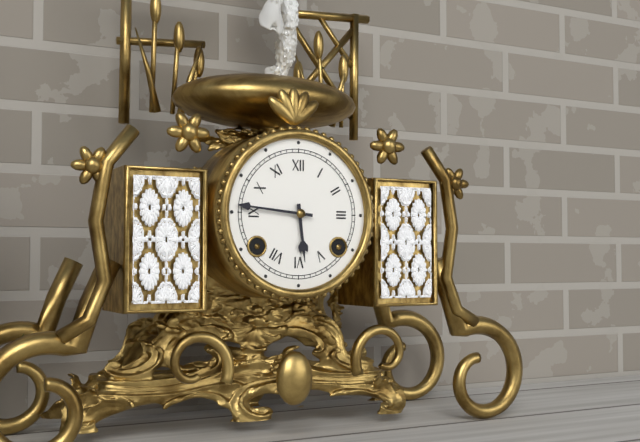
5:46
